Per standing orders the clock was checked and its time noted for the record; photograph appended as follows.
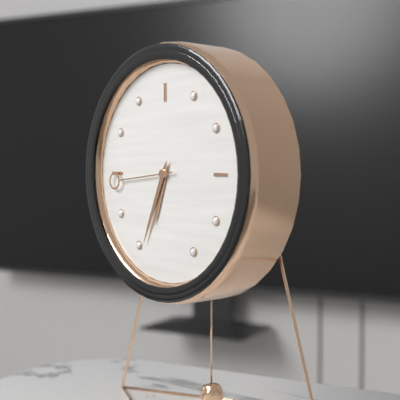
6:34:44
